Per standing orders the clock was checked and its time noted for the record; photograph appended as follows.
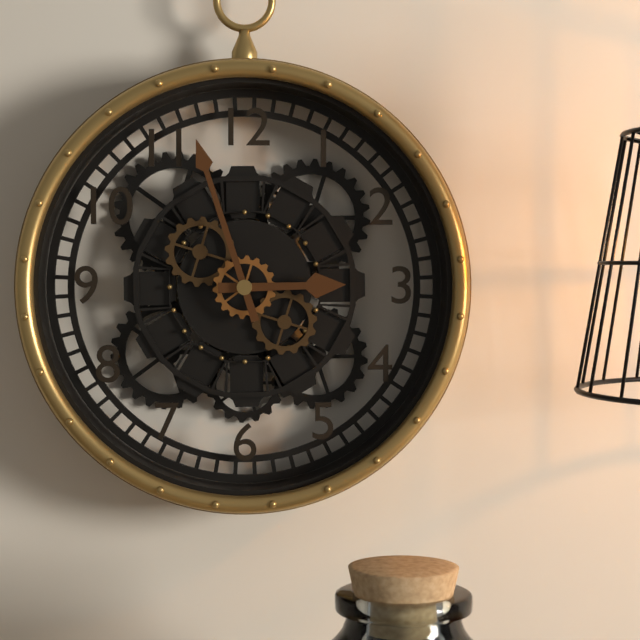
2:57
